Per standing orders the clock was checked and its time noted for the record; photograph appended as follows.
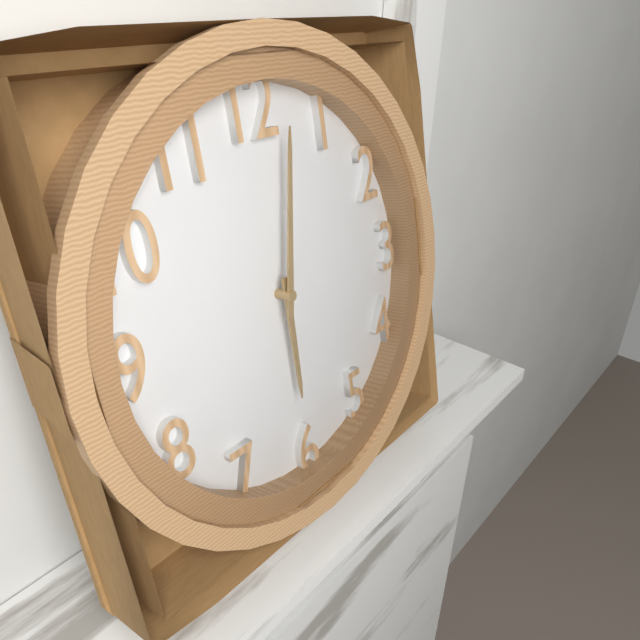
6:02
